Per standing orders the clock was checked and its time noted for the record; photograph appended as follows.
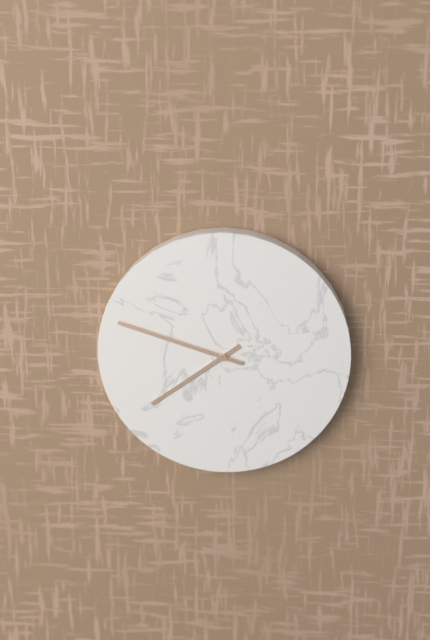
7:48
